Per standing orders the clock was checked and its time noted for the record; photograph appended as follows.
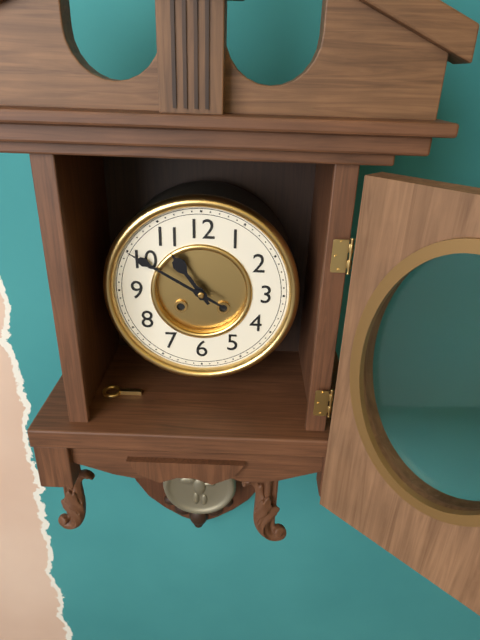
10:50
